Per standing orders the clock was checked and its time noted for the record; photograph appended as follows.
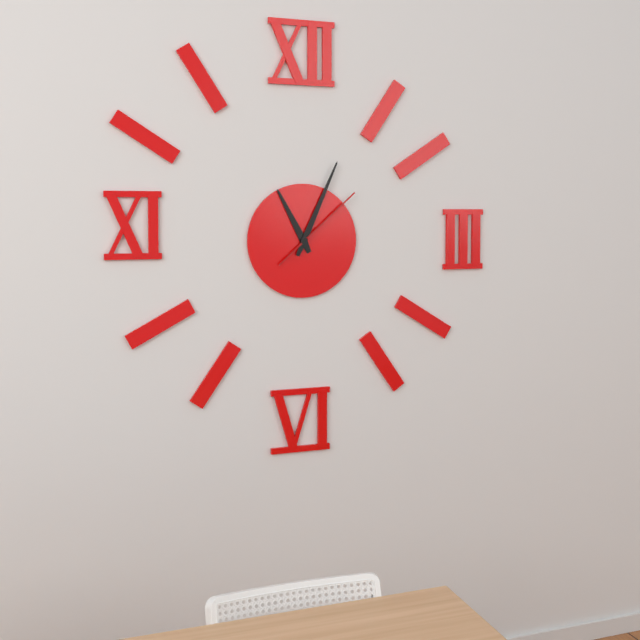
11:04:08
